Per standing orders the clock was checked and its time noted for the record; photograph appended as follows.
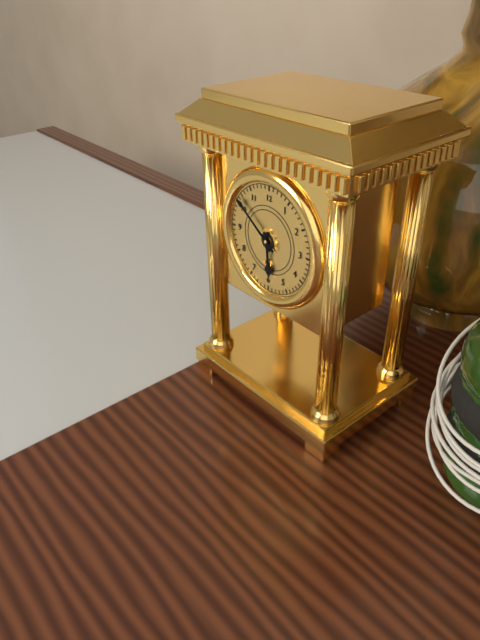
5:51
